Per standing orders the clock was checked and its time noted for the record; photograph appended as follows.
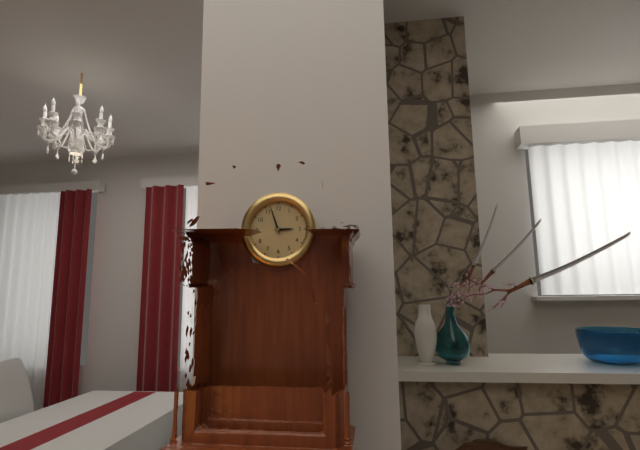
2:57
